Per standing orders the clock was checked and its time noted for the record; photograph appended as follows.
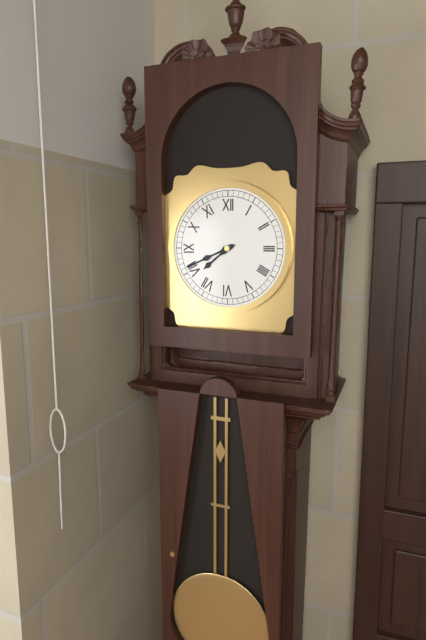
7:41
